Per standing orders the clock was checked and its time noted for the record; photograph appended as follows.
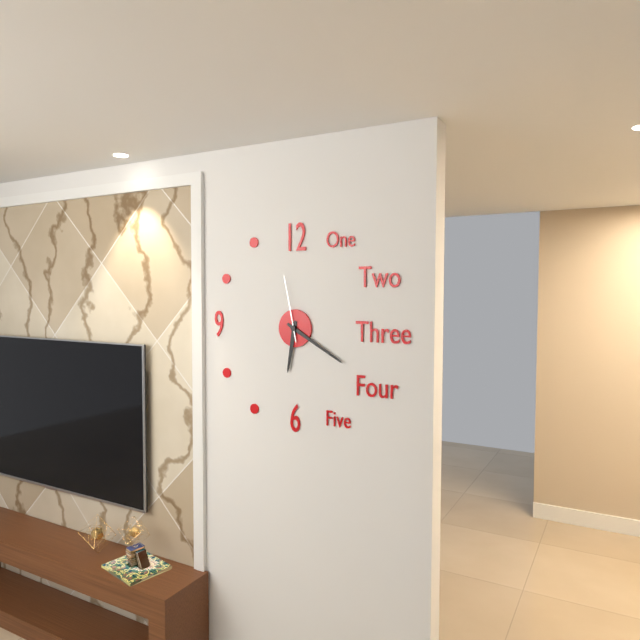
6:20:58
